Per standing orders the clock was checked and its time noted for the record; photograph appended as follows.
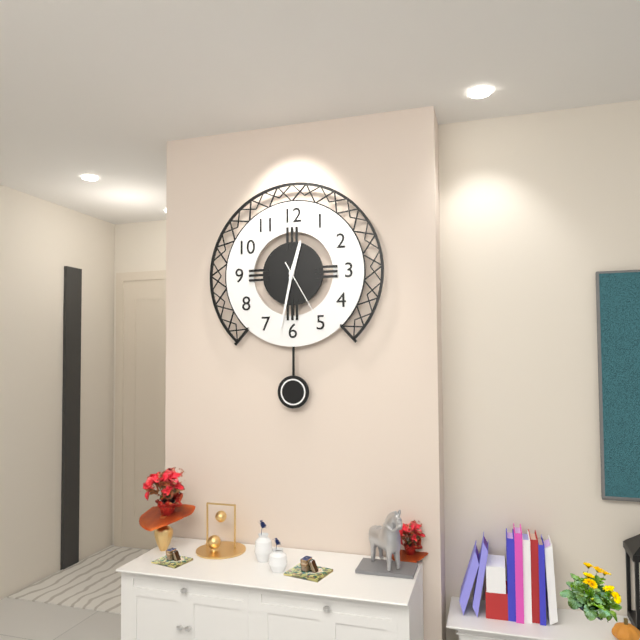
12:32:25
